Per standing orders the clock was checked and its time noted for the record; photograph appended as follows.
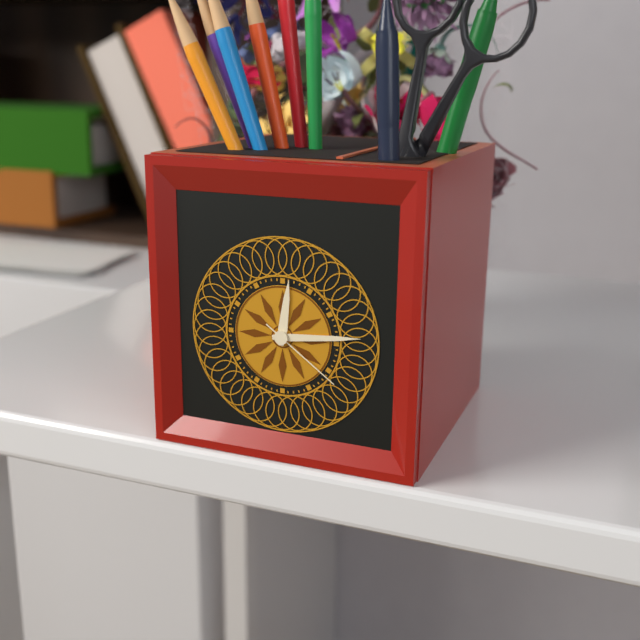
12:14:21
